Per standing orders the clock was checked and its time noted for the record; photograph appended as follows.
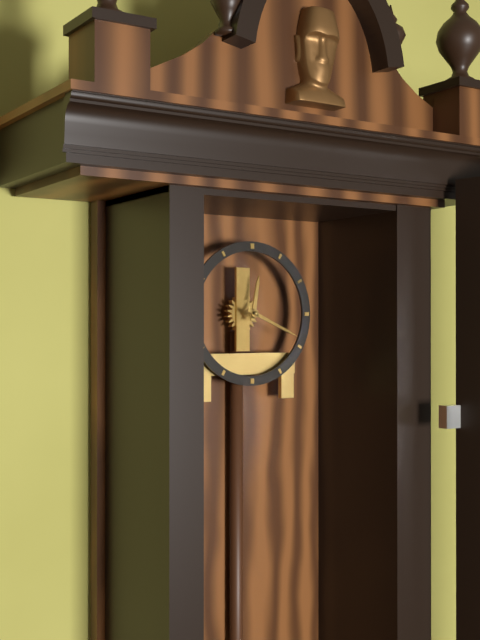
12:19
